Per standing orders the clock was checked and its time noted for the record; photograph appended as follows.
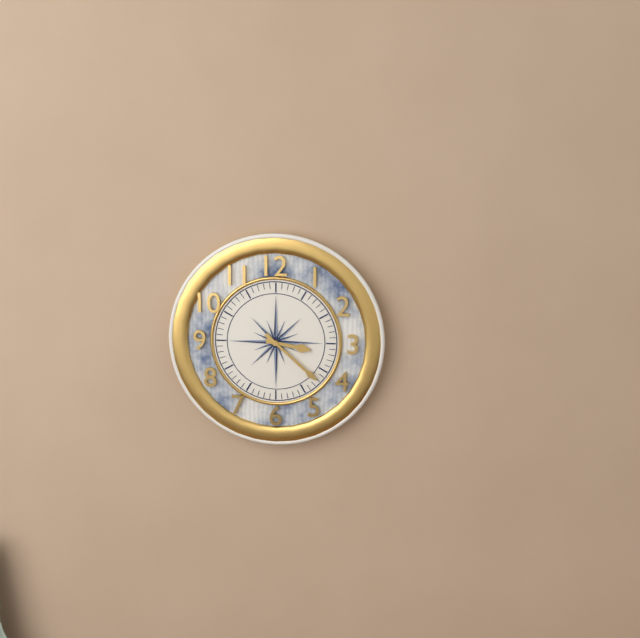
3:22
